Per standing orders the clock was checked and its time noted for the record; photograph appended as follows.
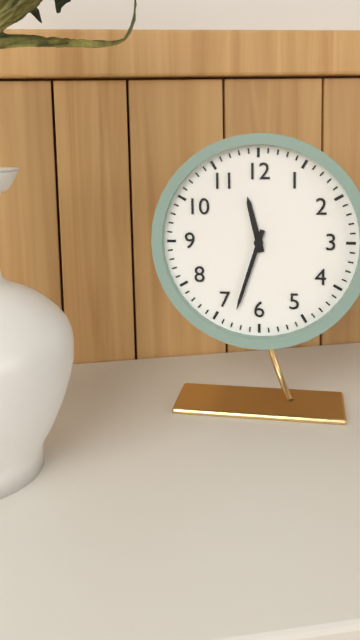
11:33
